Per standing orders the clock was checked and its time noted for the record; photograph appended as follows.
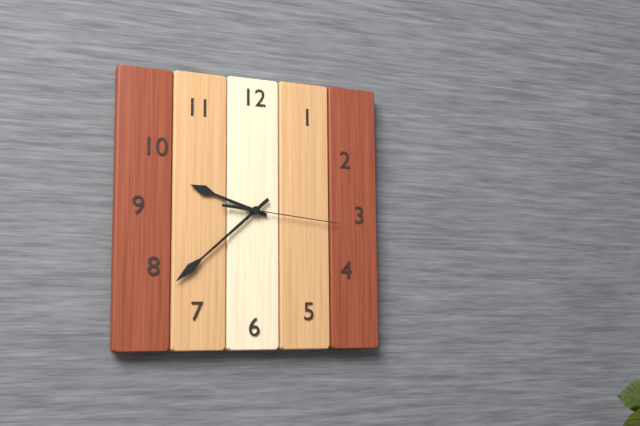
9:38:16
